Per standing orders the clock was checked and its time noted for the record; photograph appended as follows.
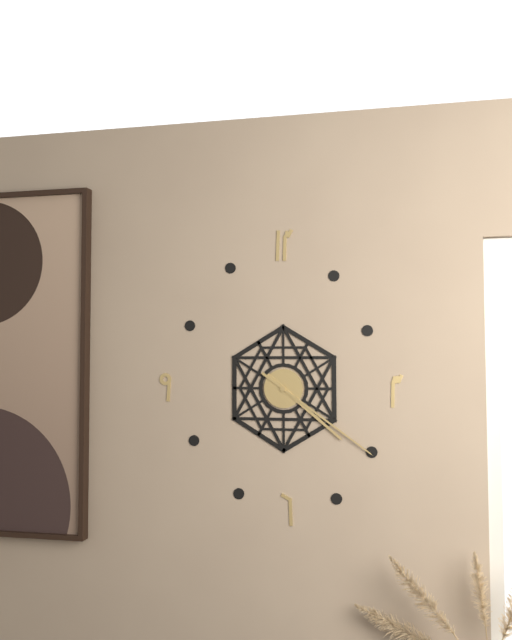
4:21
